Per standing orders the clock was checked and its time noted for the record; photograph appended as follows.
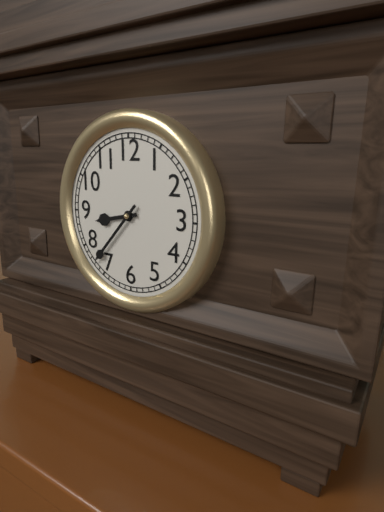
8:37
